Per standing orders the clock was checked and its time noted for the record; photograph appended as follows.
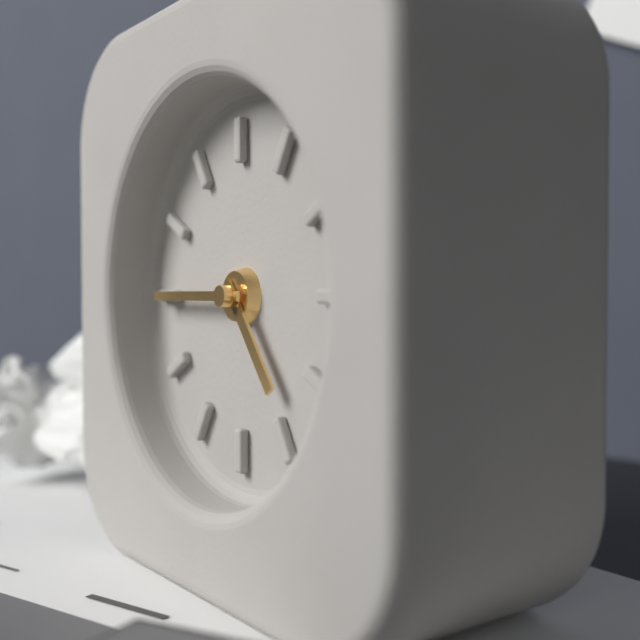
4:45
